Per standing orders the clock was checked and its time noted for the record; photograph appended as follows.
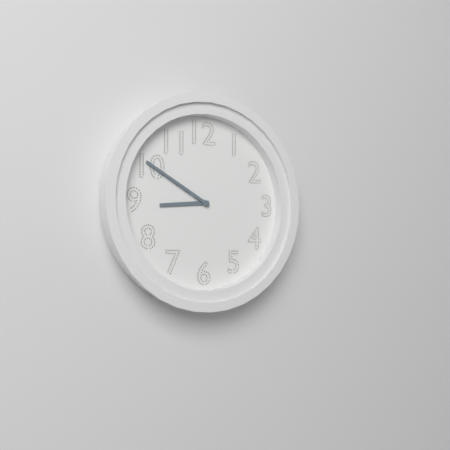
8:50
